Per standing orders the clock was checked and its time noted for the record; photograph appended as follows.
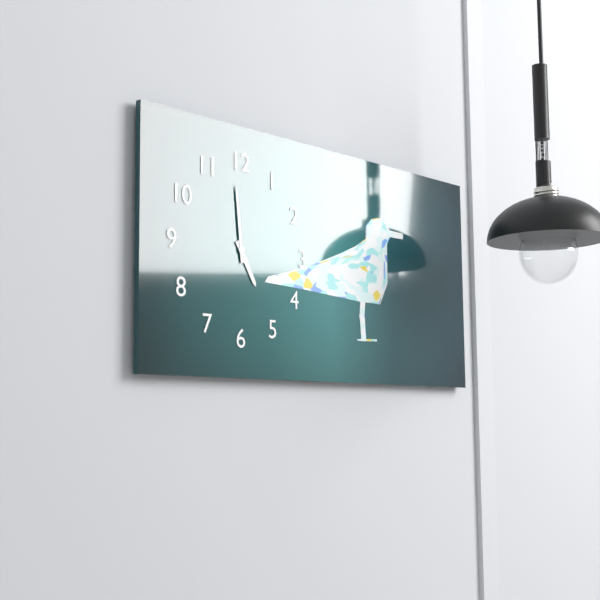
4:59
